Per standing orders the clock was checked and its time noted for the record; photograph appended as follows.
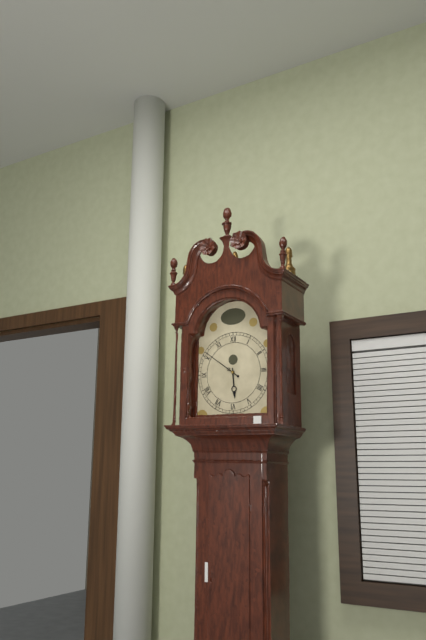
5:51
